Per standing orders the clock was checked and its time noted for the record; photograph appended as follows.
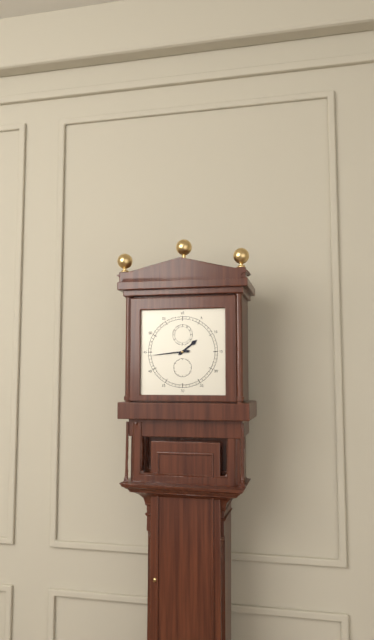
1:44
